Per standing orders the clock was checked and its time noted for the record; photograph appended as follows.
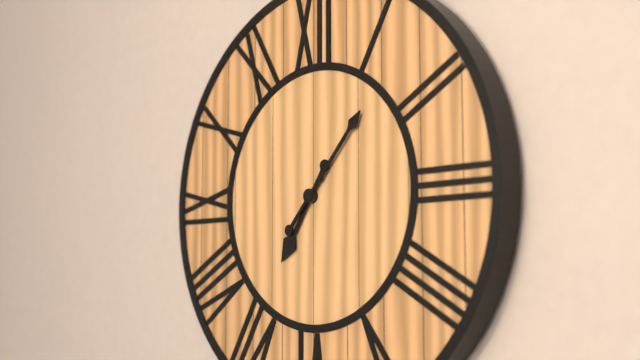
7:07
